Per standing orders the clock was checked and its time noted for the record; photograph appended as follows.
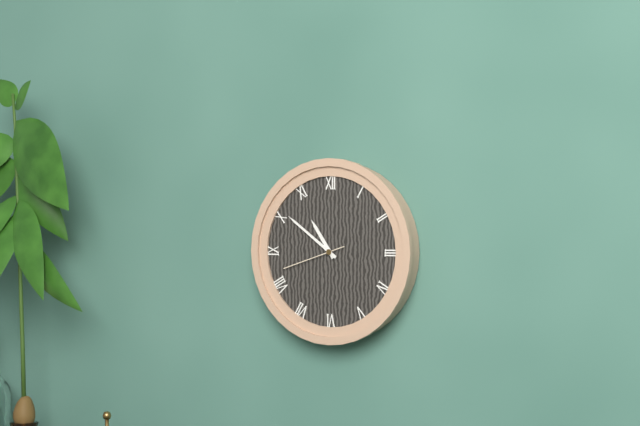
10:51:42
